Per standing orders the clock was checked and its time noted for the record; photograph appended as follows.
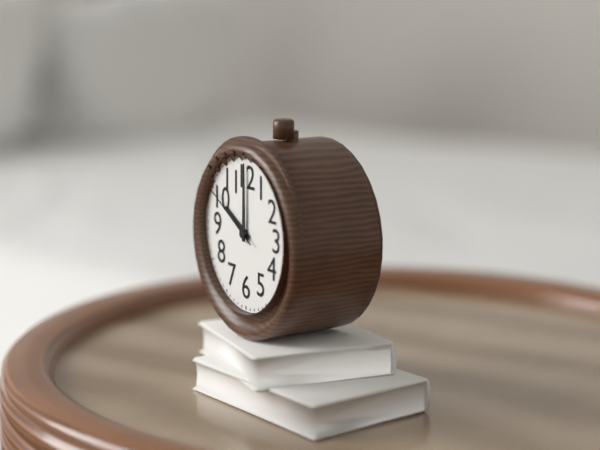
10:00:50
